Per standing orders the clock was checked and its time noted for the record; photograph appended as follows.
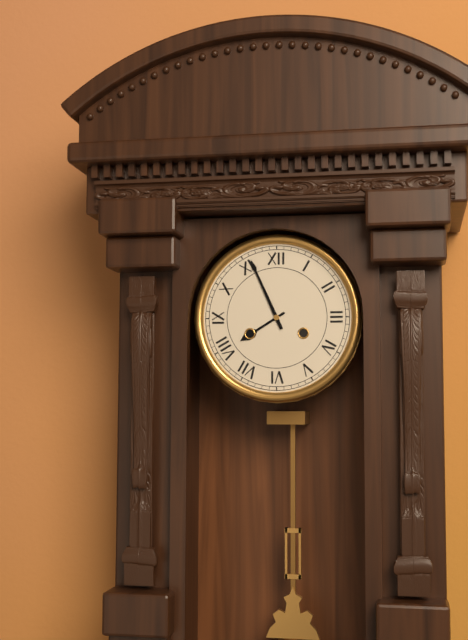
7:56
